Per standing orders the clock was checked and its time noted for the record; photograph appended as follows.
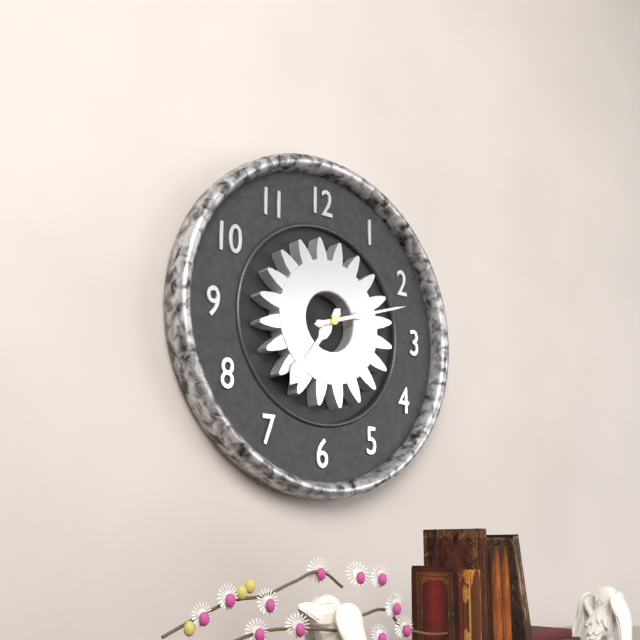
7:12
